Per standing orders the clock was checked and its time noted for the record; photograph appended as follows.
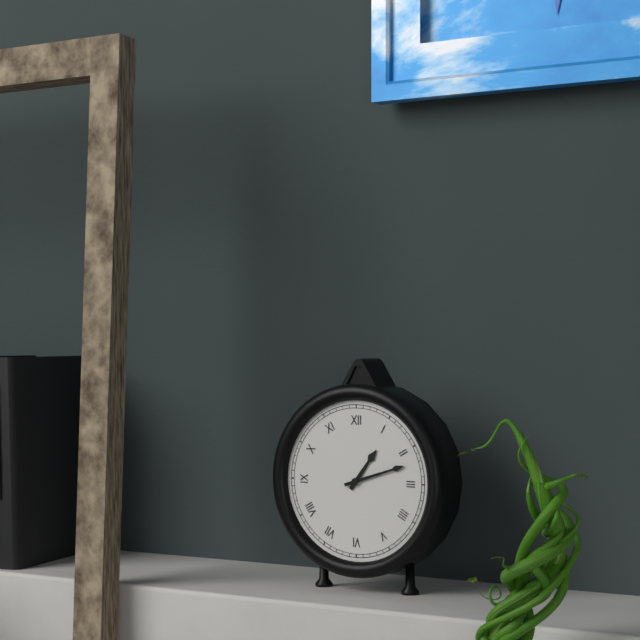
1:12
